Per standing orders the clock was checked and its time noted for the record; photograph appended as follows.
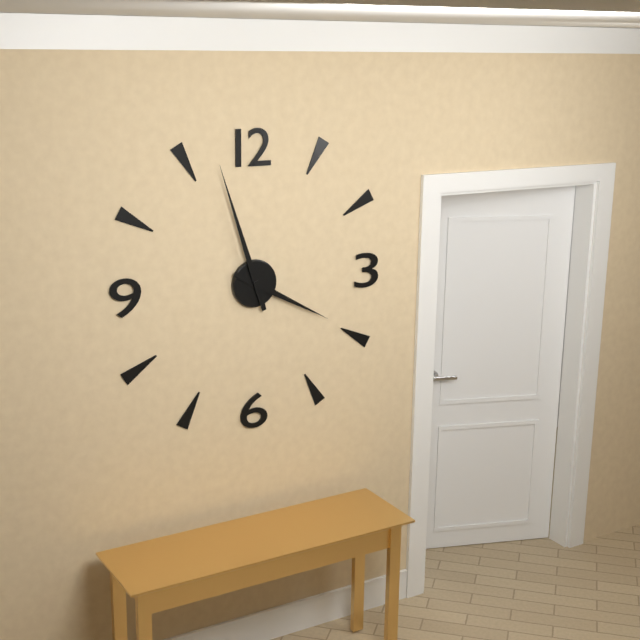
3:57
